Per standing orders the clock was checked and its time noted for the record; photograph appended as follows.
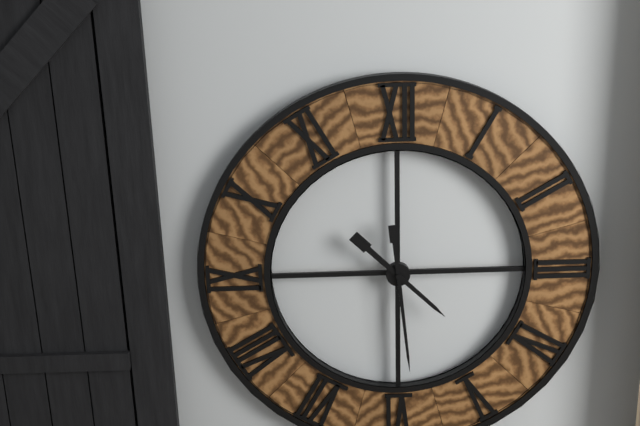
4:29
